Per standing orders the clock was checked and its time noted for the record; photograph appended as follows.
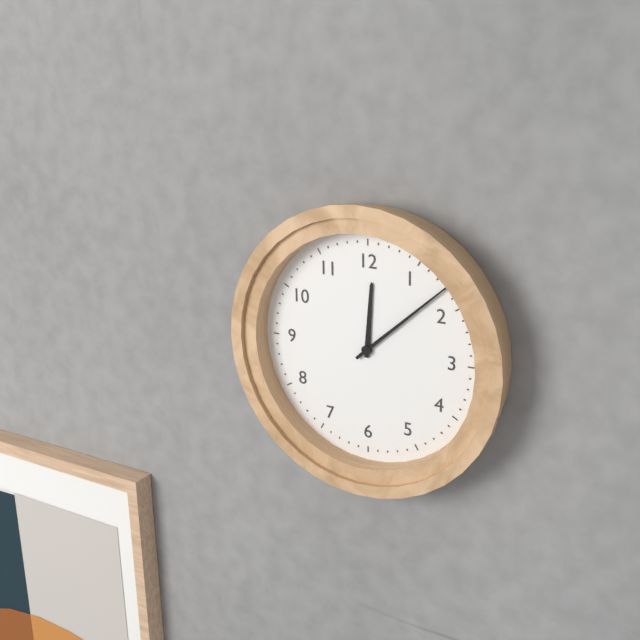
12:08
